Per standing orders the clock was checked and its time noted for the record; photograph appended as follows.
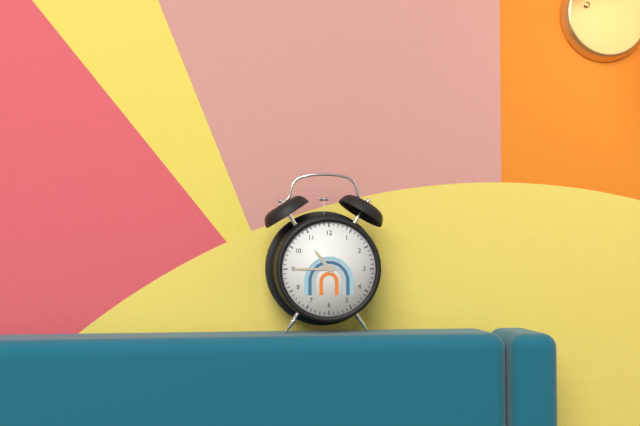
10:45
